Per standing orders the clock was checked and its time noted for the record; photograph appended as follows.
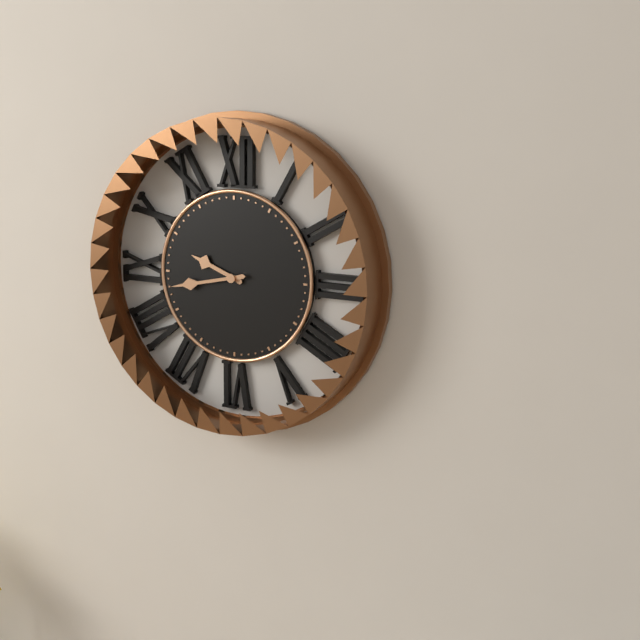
9:43
